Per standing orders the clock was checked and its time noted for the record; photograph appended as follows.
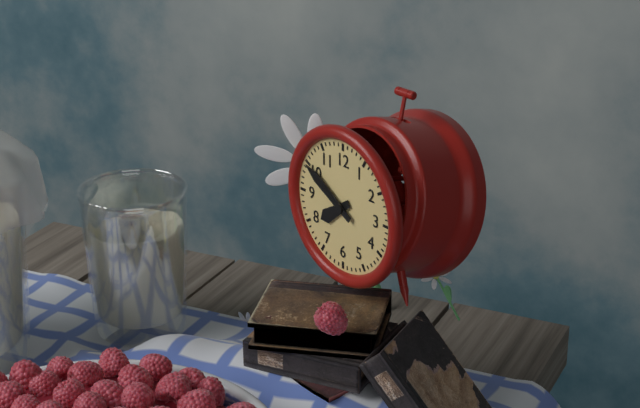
7:50
